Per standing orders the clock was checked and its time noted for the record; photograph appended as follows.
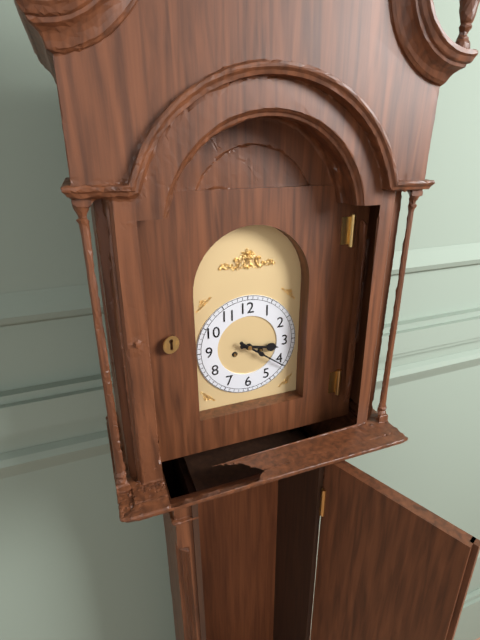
3:21
